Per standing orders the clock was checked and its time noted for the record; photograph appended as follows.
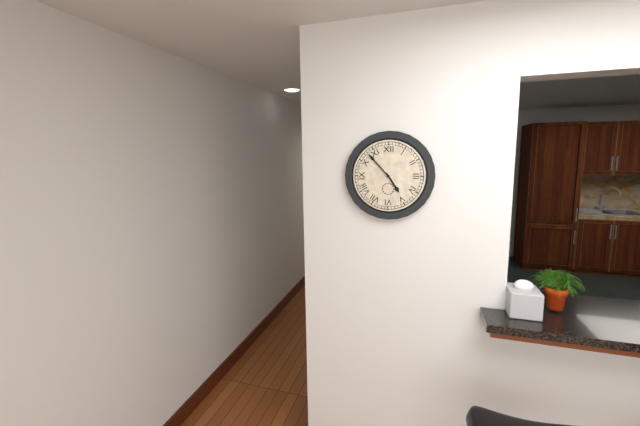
4:53
